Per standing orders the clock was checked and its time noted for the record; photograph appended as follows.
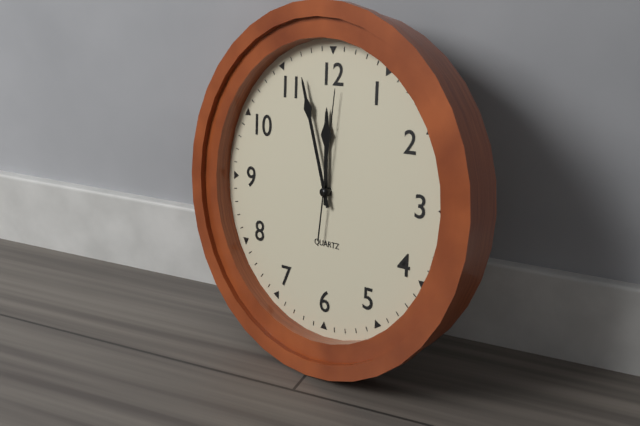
11:57:01
